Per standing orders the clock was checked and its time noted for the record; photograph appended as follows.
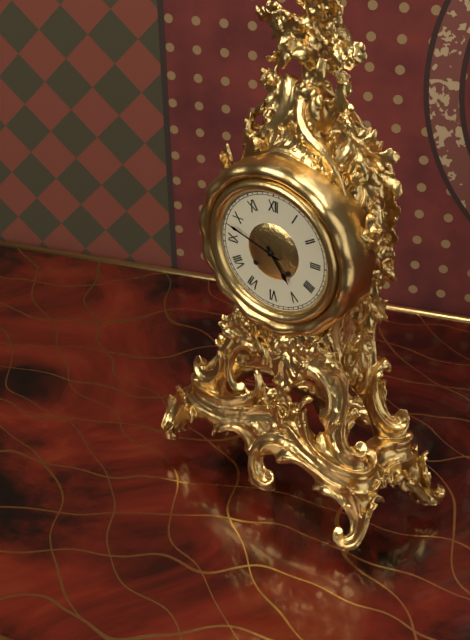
4:48
